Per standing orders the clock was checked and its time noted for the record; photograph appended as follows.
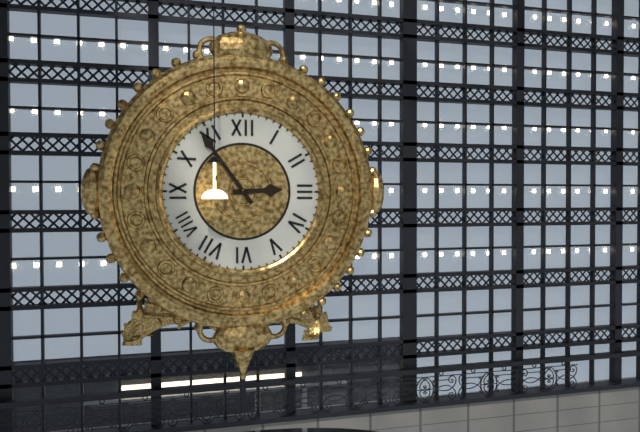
2:54
